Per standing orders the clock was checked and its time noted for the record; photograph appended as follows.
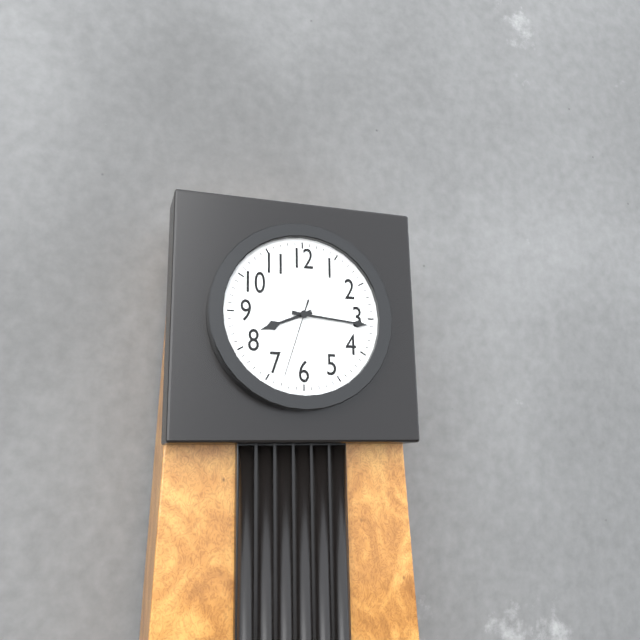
8:16:33
